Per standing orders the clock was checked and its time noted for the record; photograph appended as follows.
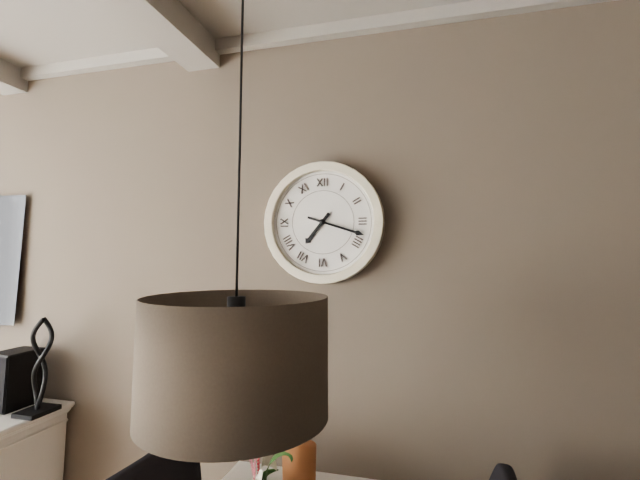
7:18
